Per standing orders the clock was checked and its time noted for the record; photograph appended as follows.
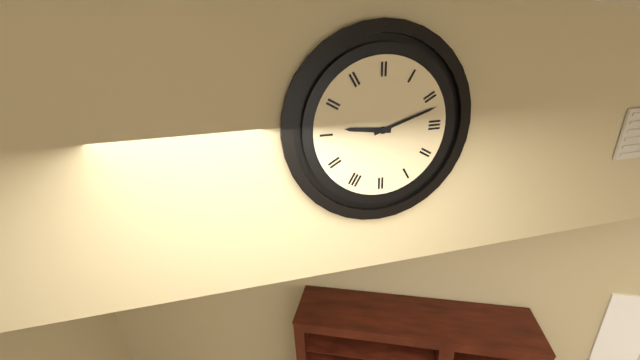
9:12
